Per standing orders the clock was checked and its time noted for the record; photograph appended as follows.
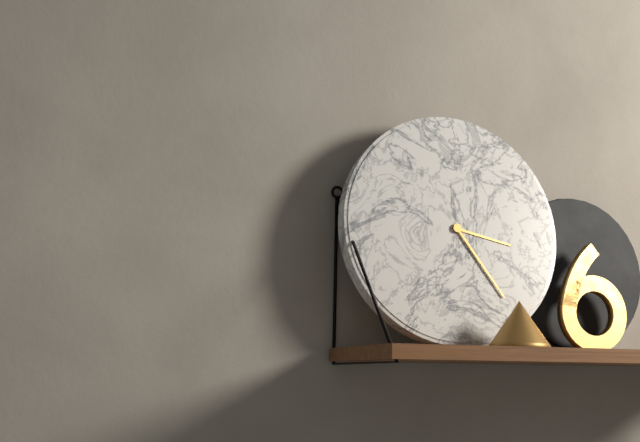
3:24
